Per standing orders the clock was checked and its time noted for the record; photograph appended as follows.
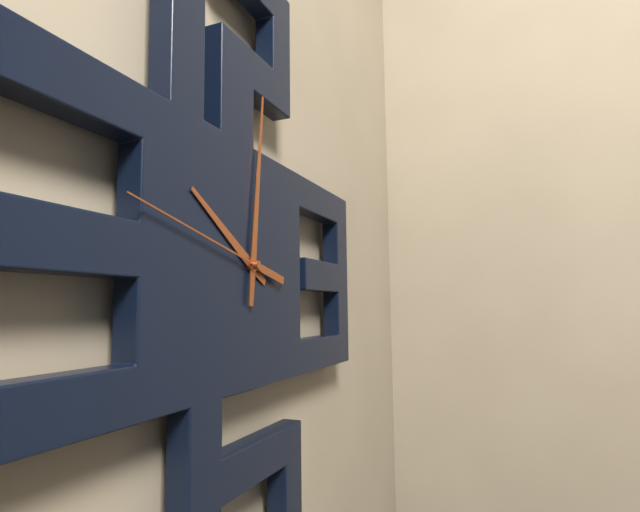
10:01:47
